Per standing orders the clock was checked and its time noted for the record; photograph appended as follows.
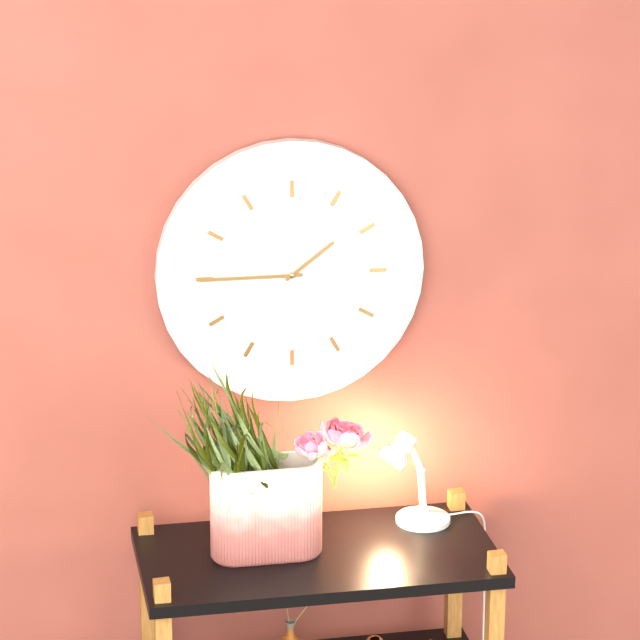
1:45
